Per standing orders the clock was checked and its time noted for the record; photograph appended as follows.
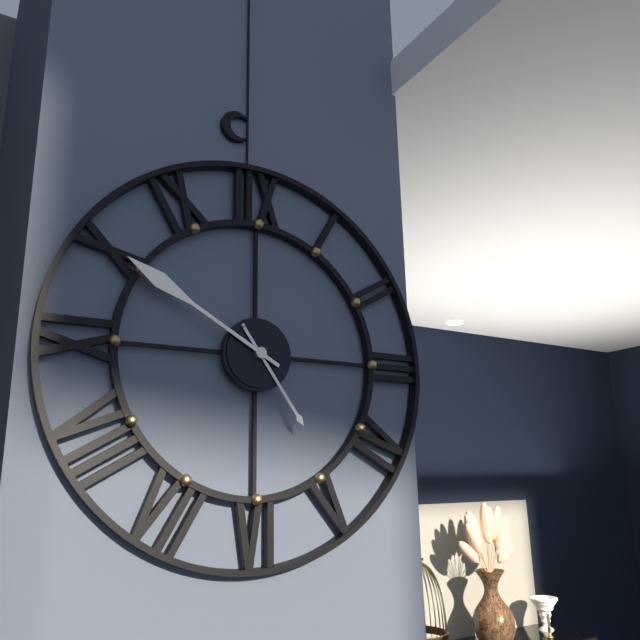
4:50
